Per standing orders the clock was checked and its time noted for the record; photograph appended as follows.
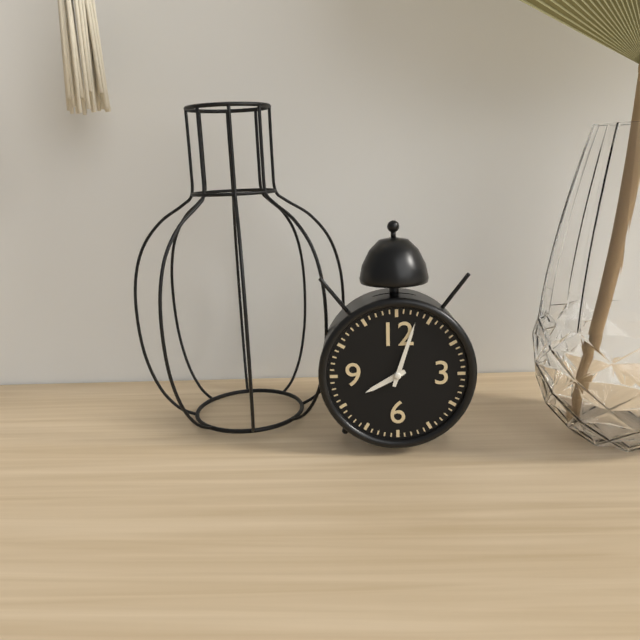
8:03
